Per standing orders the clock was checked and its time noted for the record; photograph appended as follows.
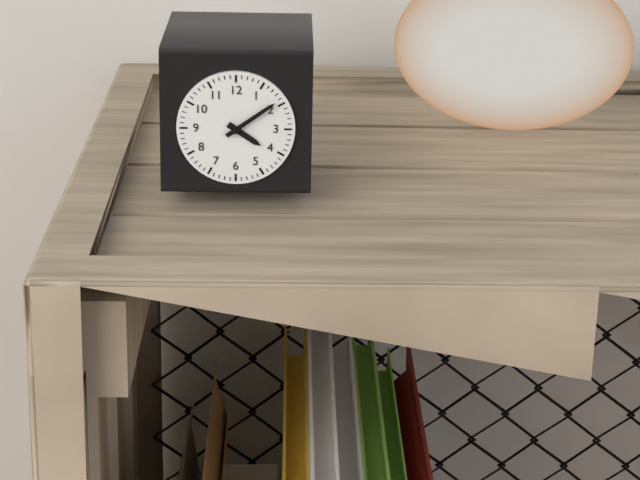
4:09
